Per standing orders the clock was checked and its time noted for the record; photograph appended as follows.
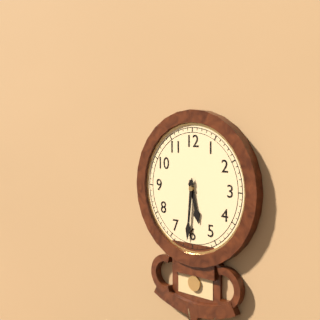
5:31
